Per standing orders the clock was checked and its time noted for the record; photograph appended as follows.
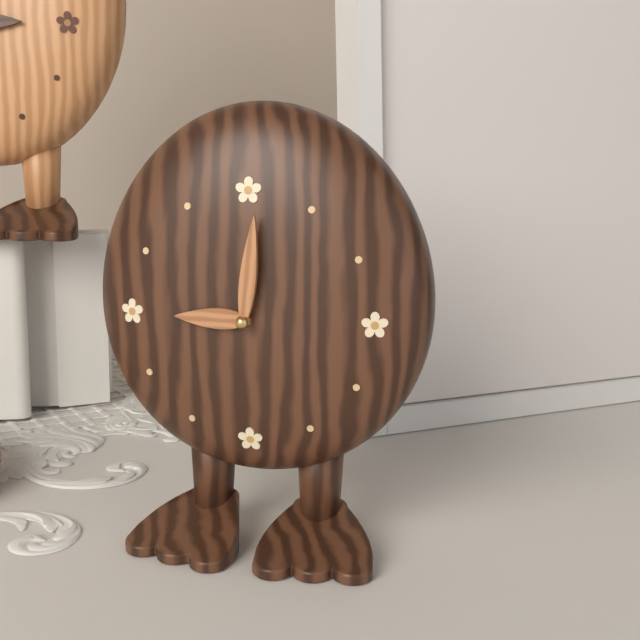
9:01
